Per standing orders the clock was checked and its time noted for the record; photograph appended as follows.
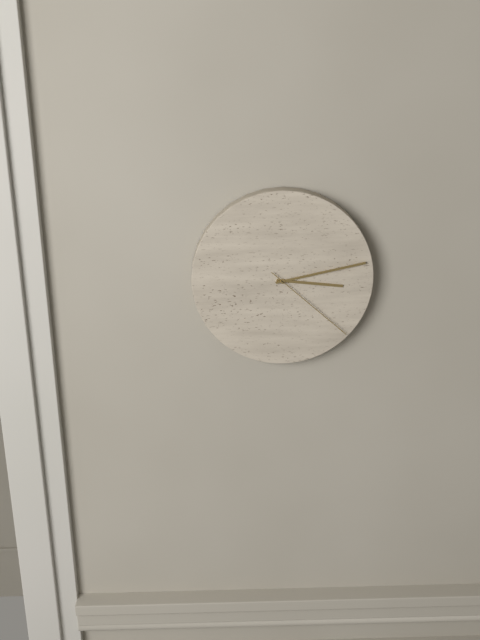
3:13:22
